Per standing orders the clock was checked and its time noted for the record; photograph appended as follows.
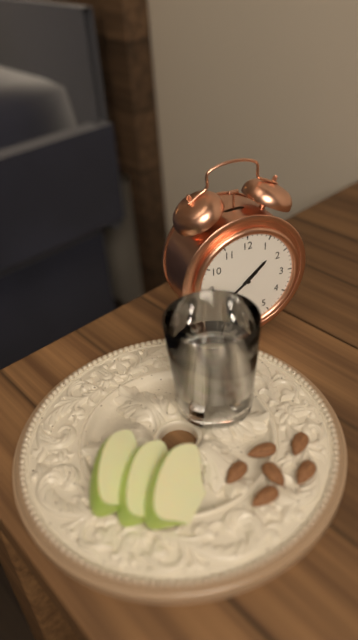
1:39:39
